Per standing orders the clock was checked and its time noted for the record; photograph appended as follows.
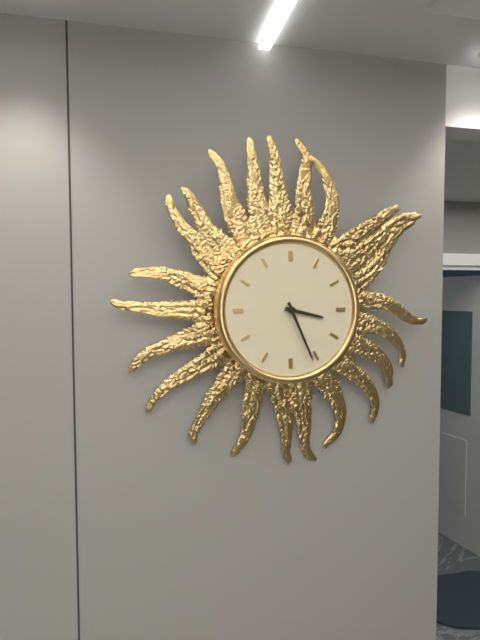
3:26
